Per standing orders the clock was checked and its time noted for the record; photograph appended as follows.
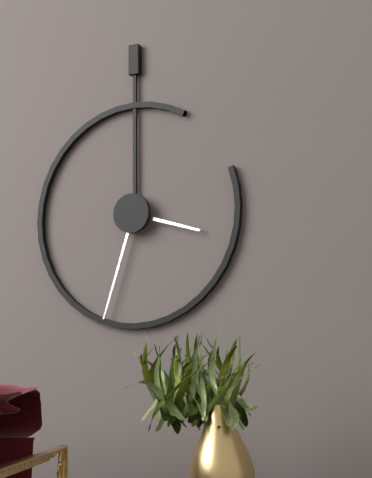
3:33
